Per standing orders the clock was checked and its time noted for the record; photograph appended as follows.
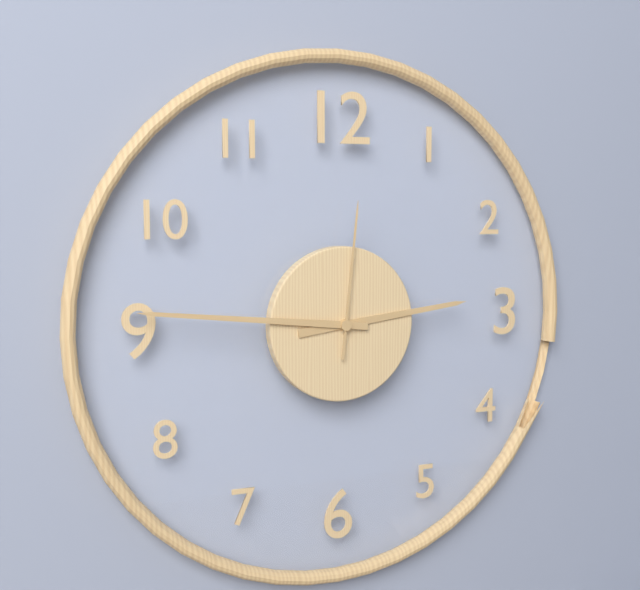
2:46:01
